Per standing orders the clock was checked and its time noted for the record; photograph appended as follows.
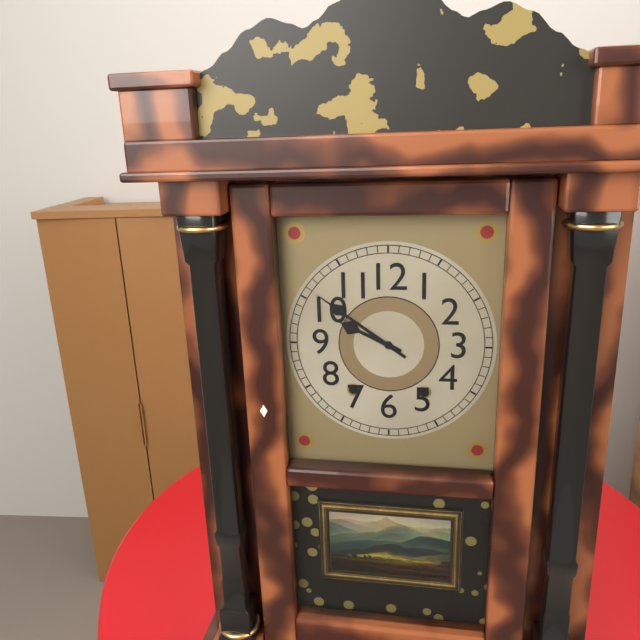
9:51
